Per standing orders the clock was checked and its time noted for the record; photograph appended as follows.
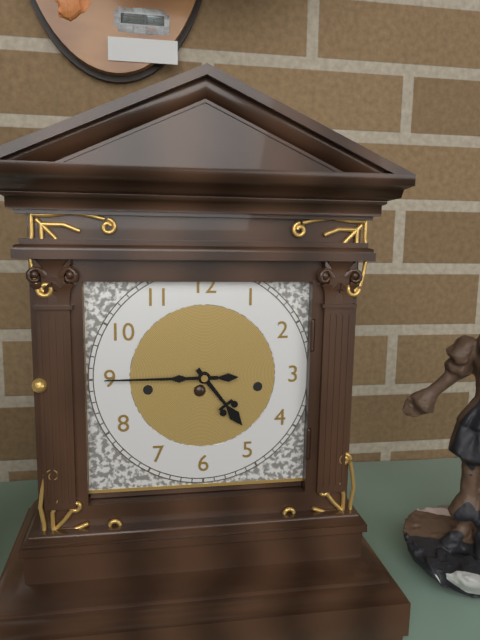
4:45
